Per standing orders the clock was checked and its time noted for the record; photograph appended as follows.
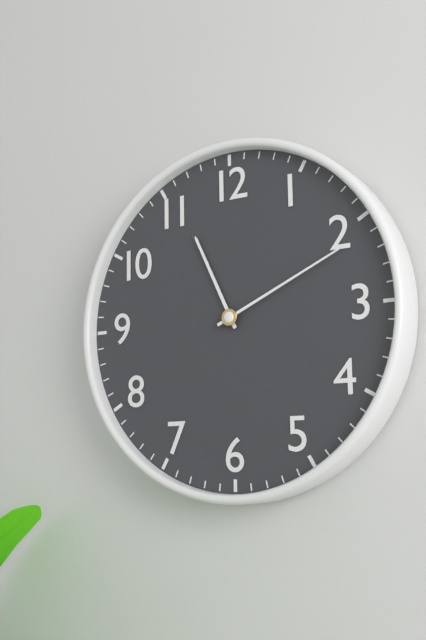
11:11
